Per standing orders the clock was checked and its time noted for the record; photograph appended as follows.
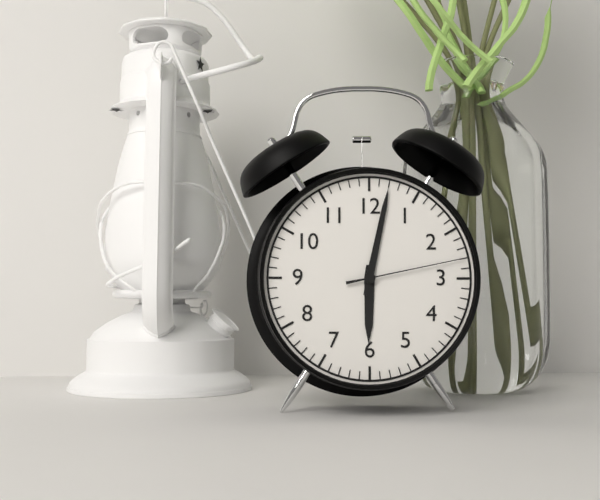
6:02:13
